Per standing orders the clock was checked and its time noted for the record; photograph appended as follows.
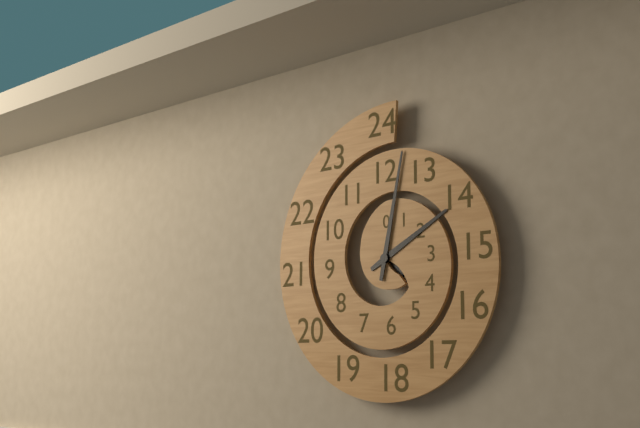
2:02
